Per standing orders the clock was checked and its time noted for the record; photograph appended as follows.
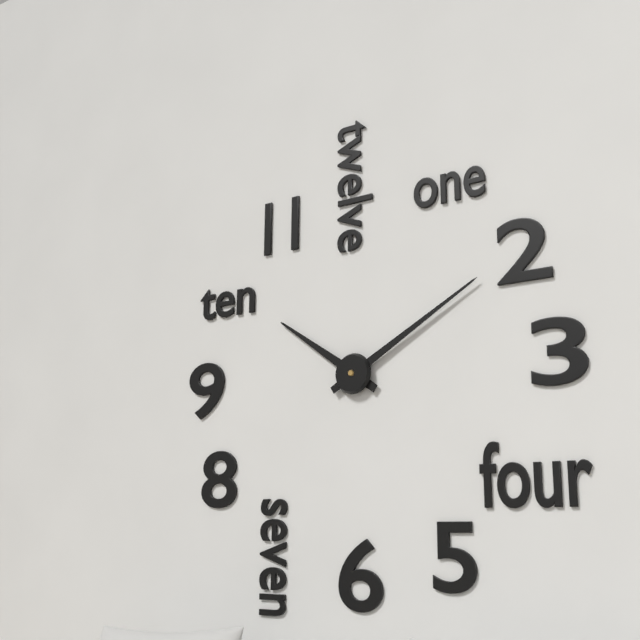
10:10
